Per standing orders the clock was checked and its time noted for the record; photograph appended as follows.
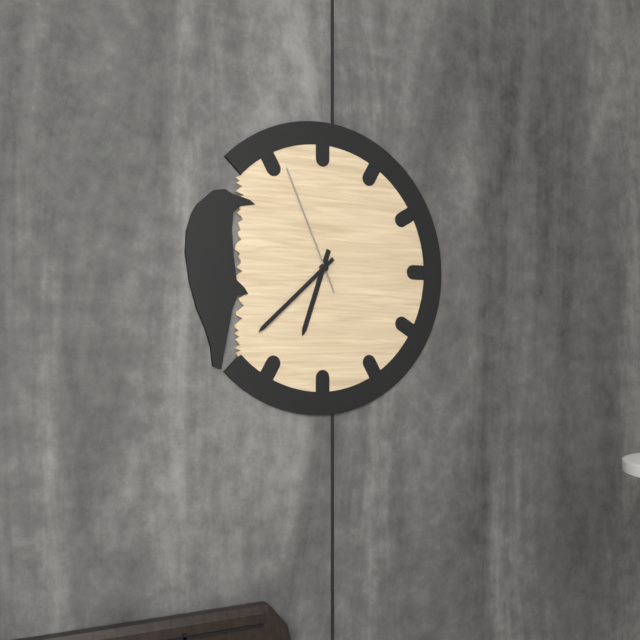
6:38:56
